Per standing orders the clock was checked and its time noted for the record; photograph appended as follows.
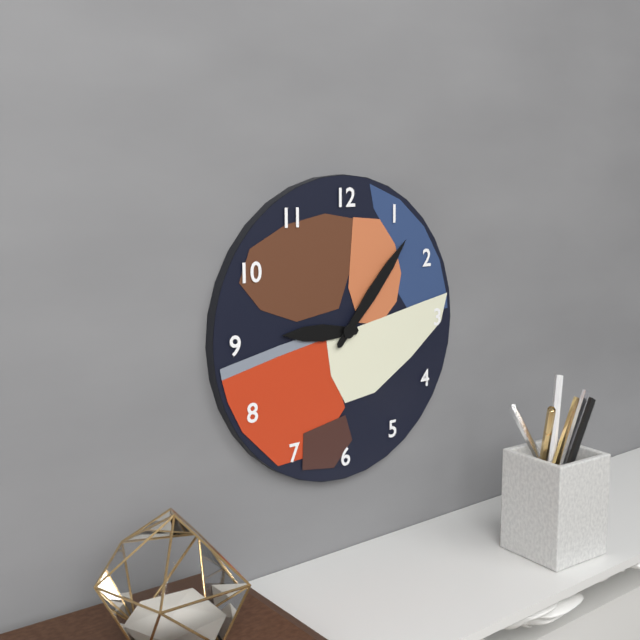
9:07
